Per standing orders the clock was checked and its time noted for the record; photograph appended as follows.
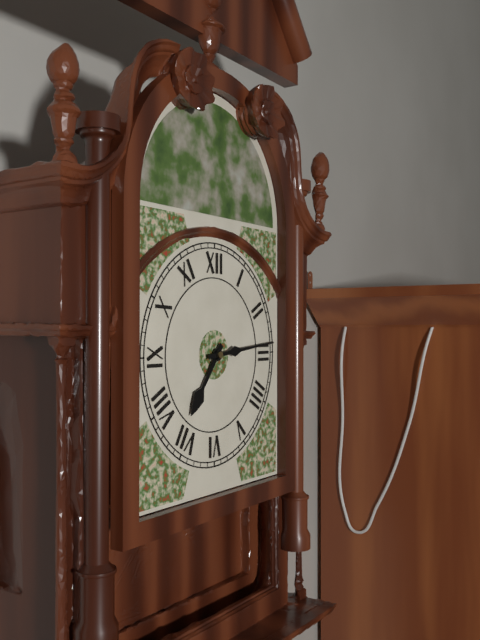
7:14
